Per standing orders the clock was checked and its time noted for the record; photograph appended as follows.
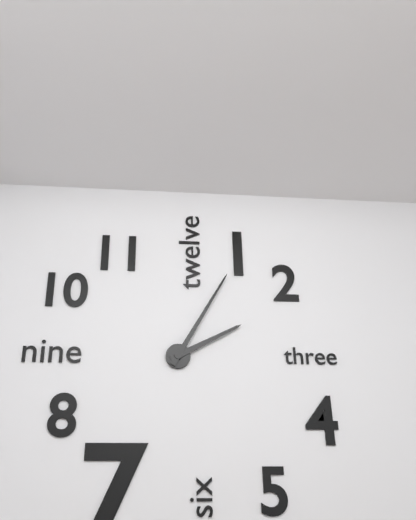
2:05
